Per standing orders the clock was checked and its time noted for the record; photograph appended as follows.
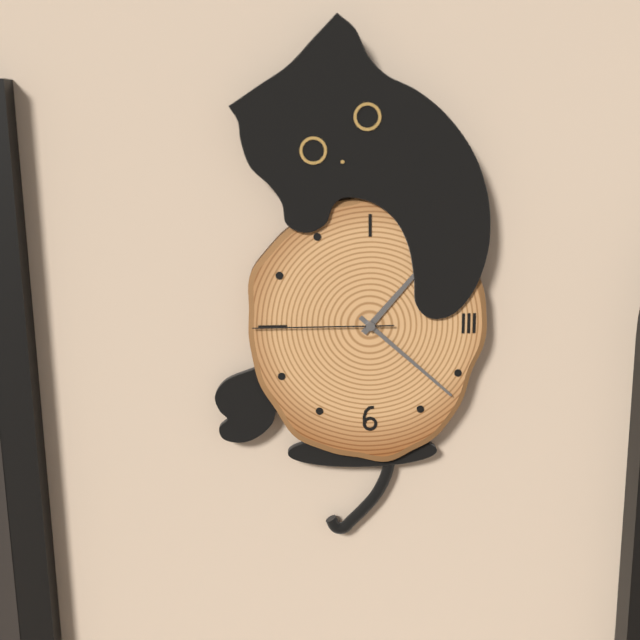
1:22:45
